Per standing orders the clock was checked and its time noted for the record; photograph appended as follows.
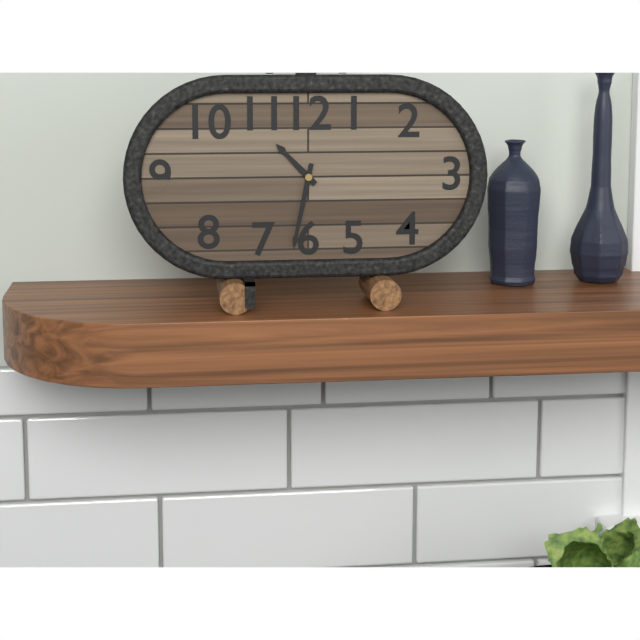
10:32
